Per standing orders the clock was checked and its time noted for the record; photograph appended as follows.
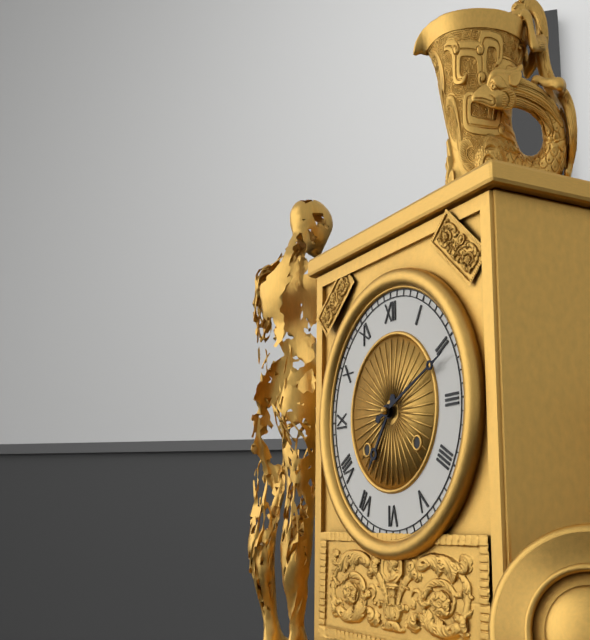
7:11
